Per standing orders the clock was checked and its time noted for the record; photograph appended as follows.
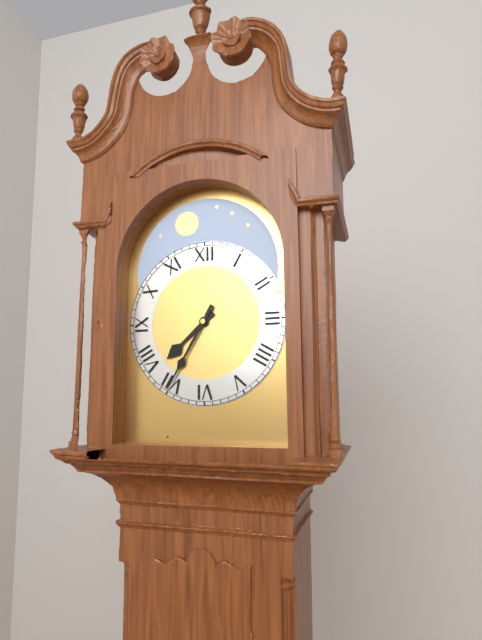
7:35
